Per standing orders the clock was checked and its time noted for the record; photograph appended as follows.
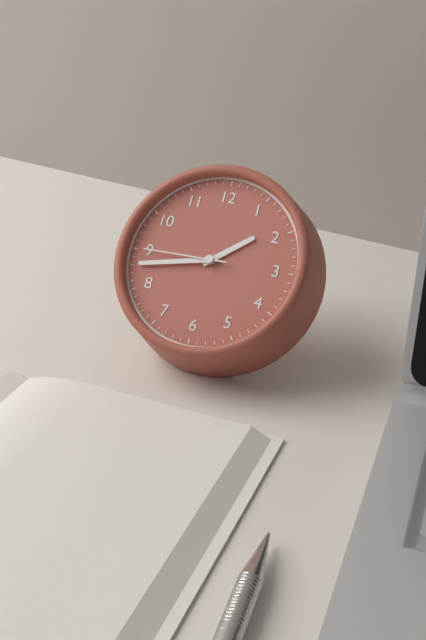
1:43:45
